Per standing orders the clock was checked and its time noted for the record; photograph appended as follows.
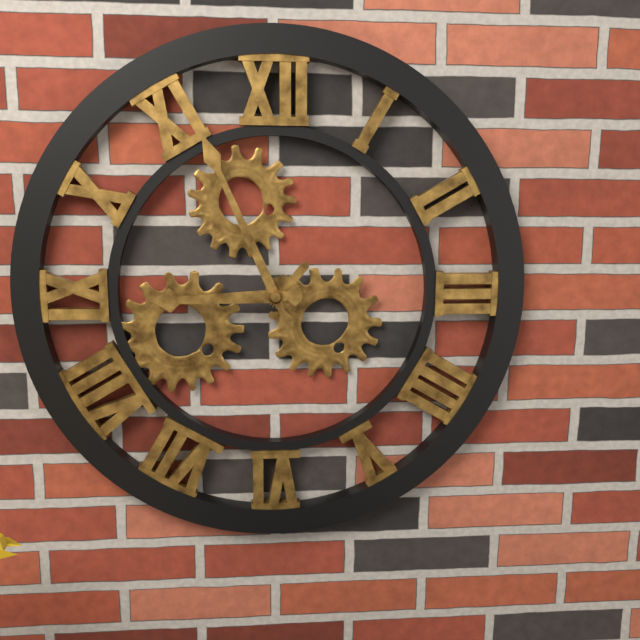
8:56
